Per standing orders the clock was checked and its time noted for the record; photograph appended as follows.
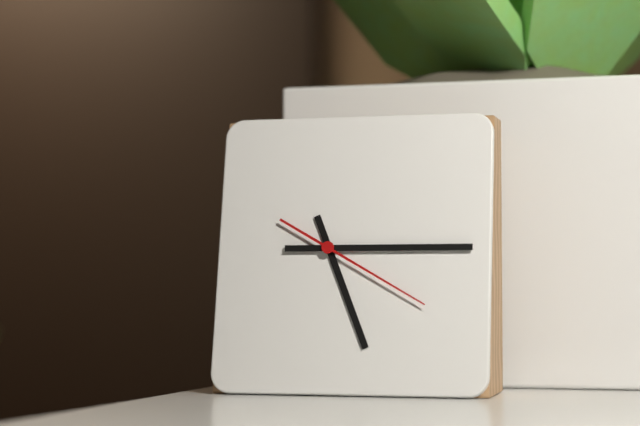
5:15:20
